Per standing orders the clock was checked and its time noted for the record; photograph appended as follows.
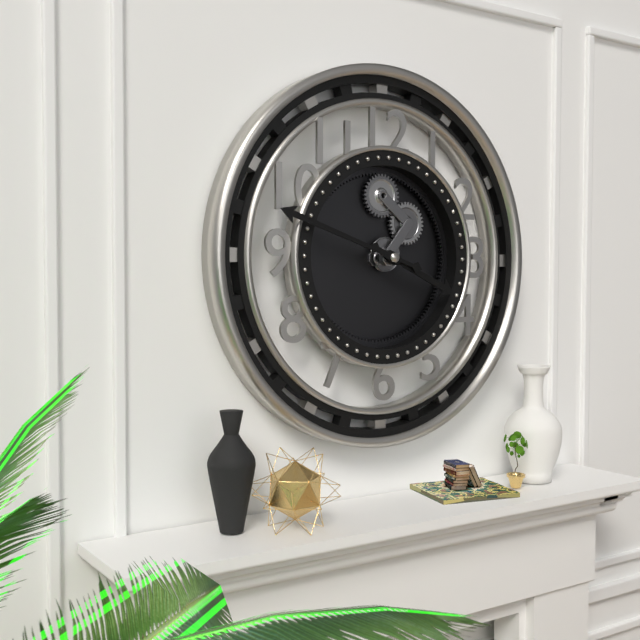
3:48
